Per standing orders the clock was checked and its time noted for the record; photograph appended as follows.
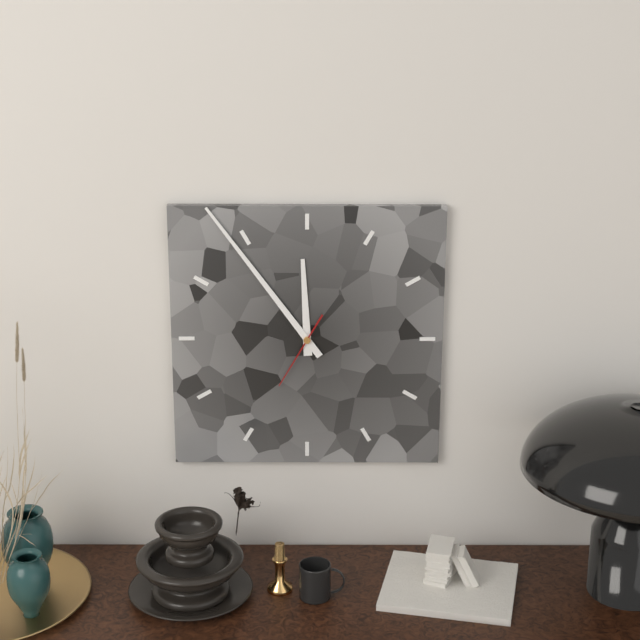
11:54:35
